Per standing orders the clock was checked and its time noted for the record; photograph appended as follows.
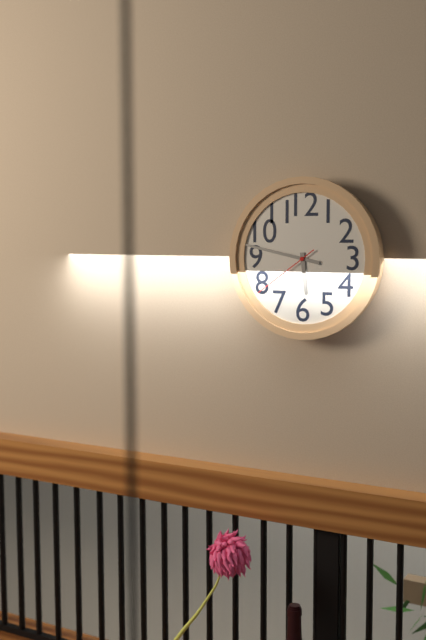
5:47:39
